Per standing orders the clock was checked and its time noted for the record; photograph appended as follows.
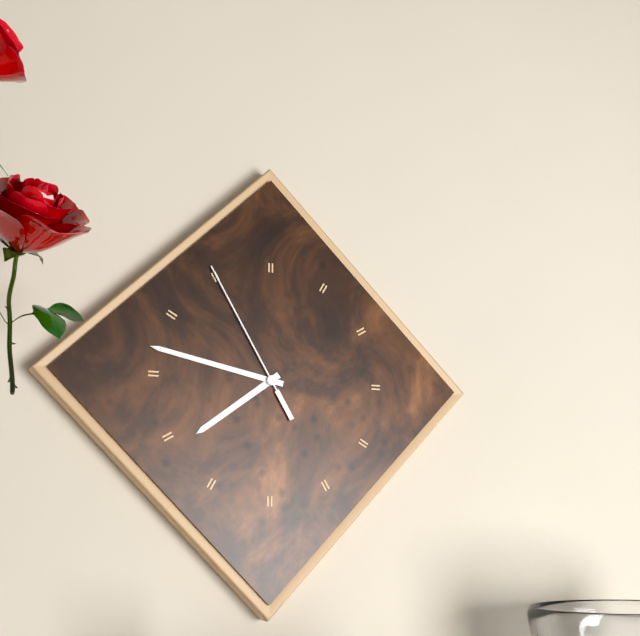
7:47:55
